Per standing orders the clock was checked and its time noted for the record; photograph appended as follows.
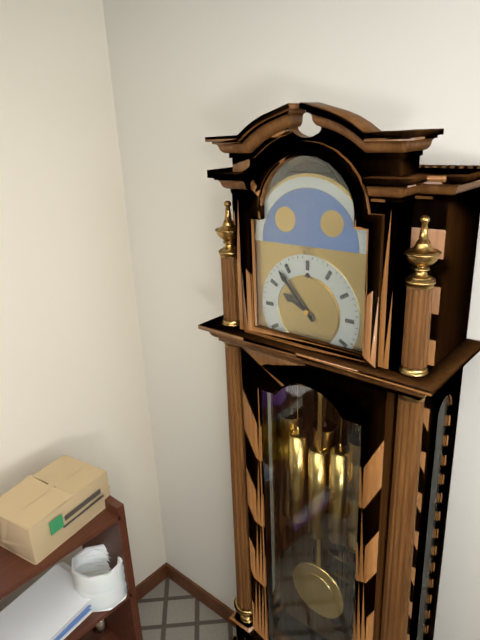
9:53
